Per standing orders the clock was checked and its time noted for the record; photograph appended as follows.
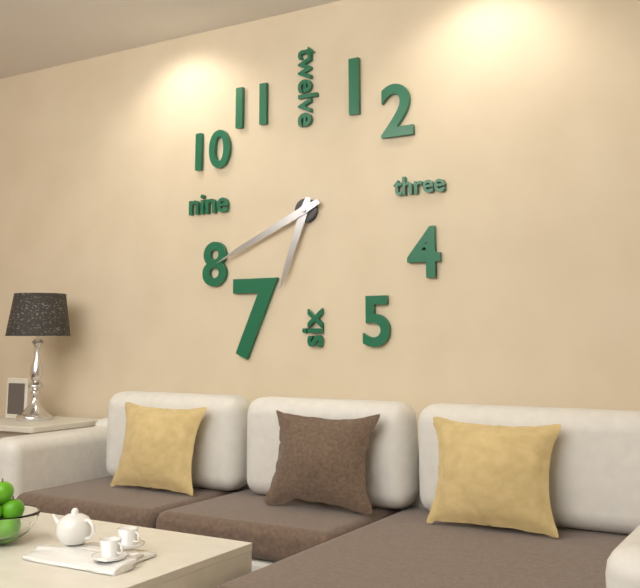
6:41
